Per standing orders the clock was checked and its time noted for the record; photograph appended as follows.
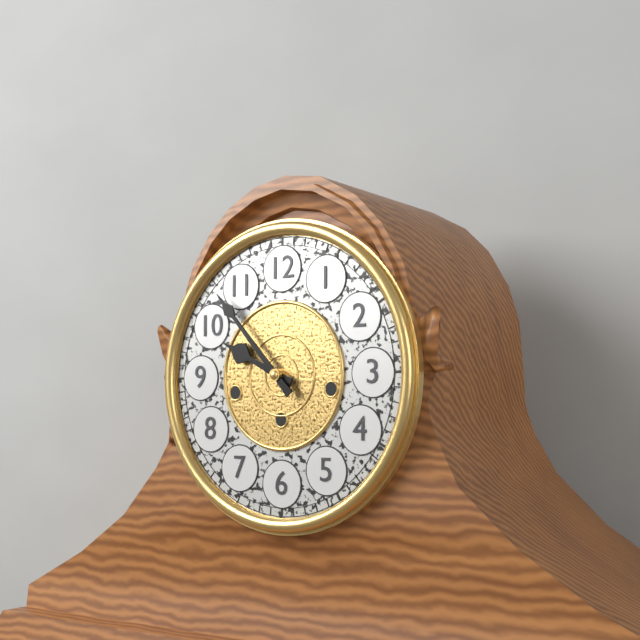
9:53
